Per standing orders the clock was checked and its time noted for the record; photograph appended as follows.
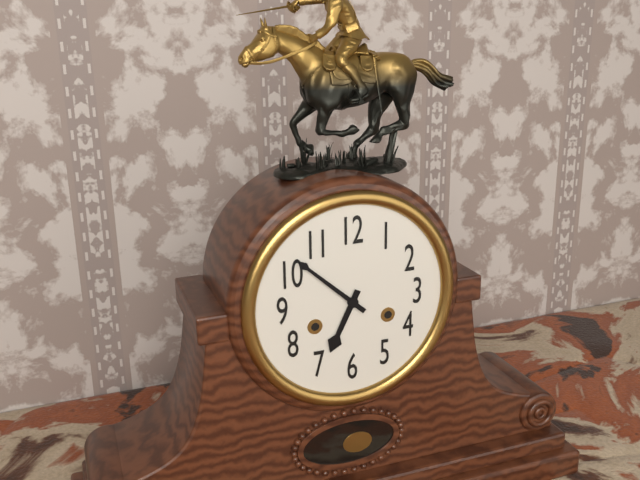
6:52
